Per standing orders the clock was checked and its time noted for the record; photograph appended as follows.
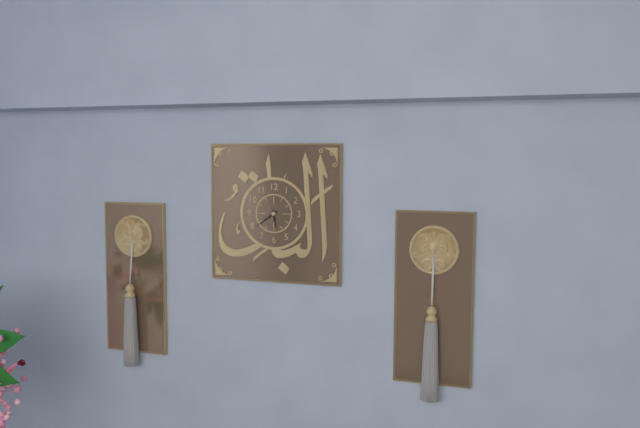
5:39
